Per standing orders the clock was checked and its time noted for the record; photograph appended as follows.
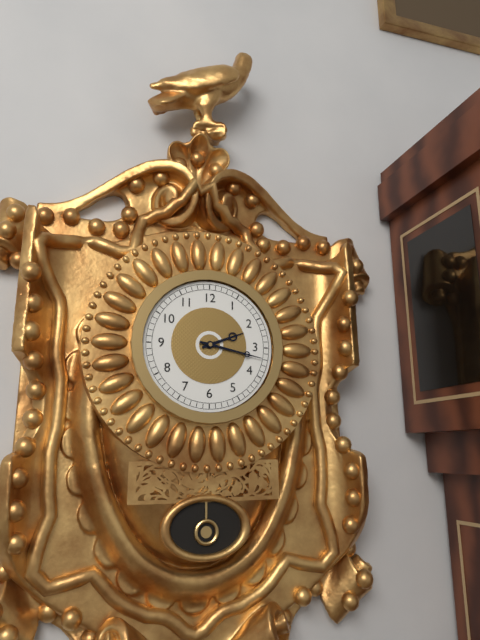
2:17
